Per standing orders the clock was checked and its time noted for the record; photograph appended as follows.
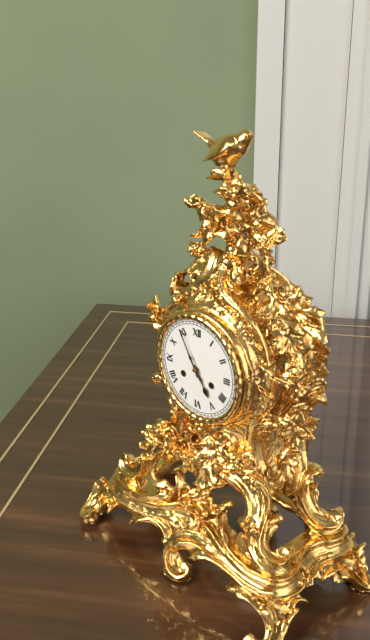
4:55
